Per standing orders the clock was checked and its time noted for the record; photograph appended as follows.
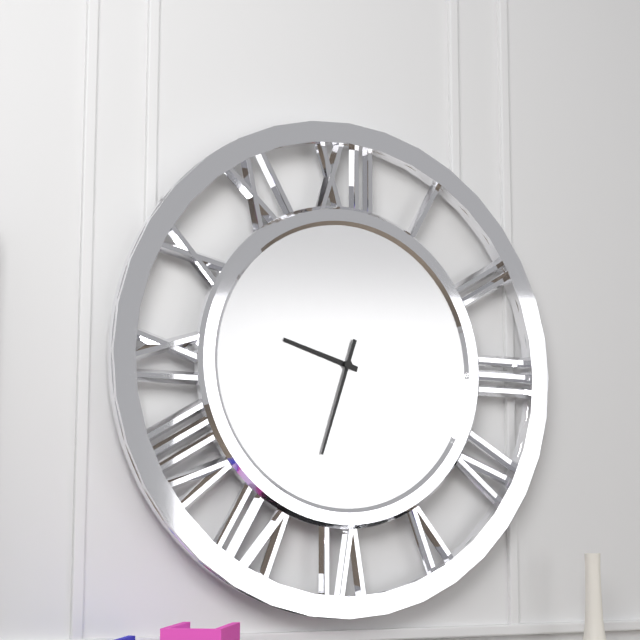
9:33
